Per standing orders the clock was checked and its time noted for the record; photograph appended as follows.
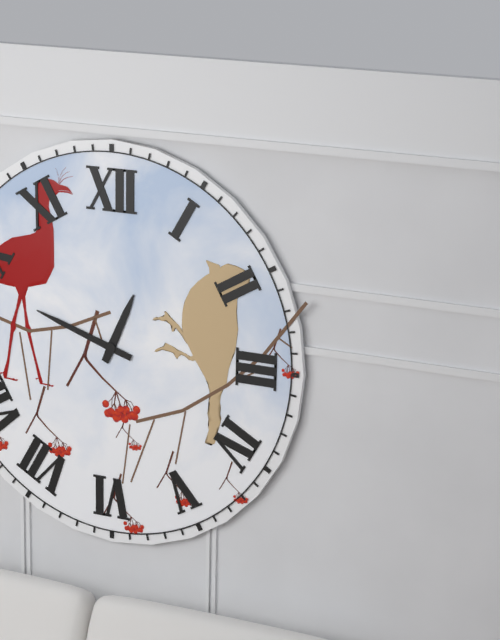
12:48
